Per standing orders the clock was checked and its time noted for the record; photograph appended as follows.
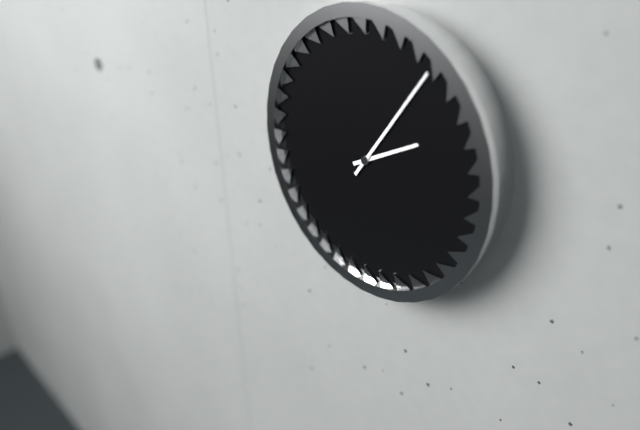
2:06
